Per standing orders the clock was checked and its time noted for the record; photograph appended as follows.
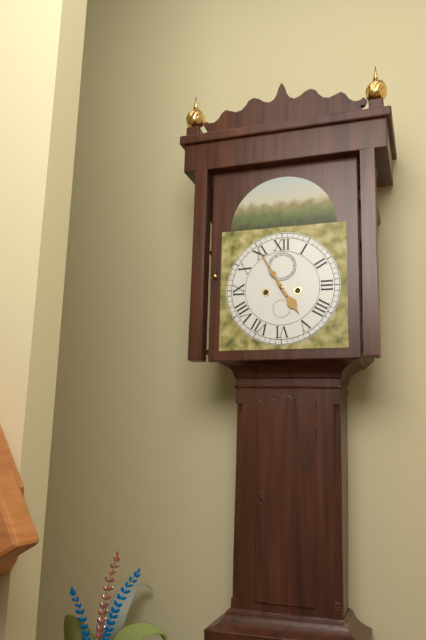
4:55
